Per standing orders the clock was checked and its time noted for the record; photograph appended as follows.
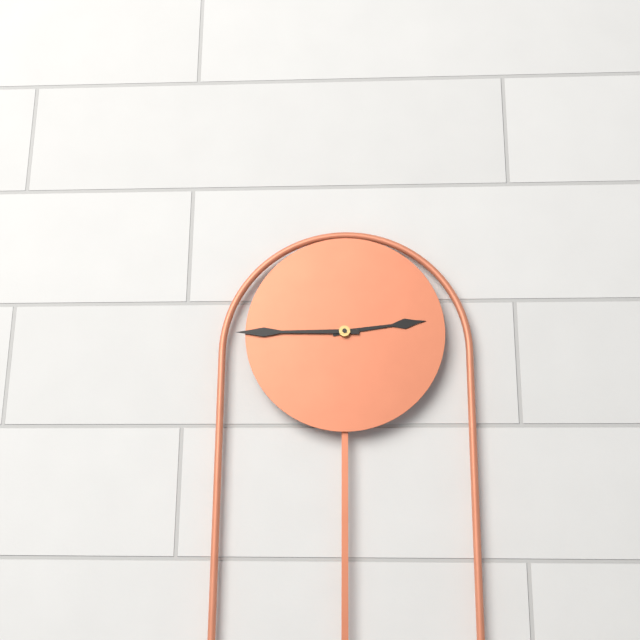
2:45
